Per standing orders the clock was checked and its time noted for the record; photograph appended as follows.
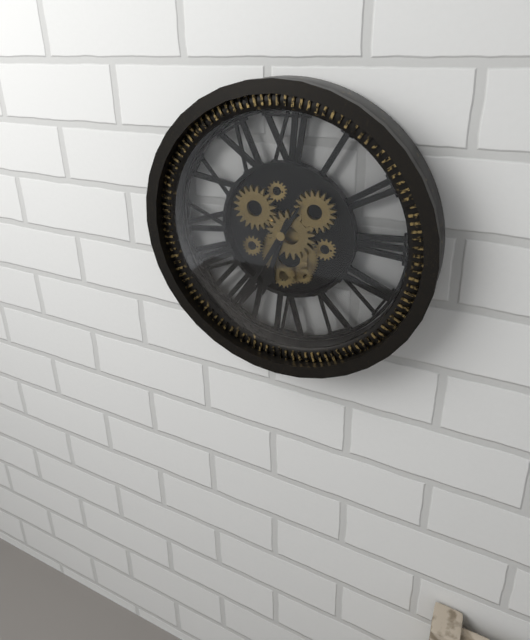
6:35
